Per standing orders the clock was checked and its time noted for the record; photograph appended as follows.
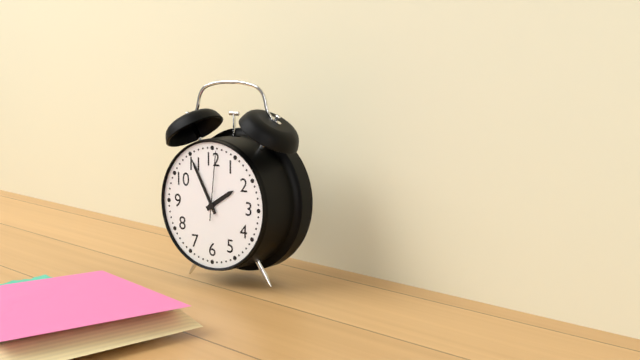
1:55:01
